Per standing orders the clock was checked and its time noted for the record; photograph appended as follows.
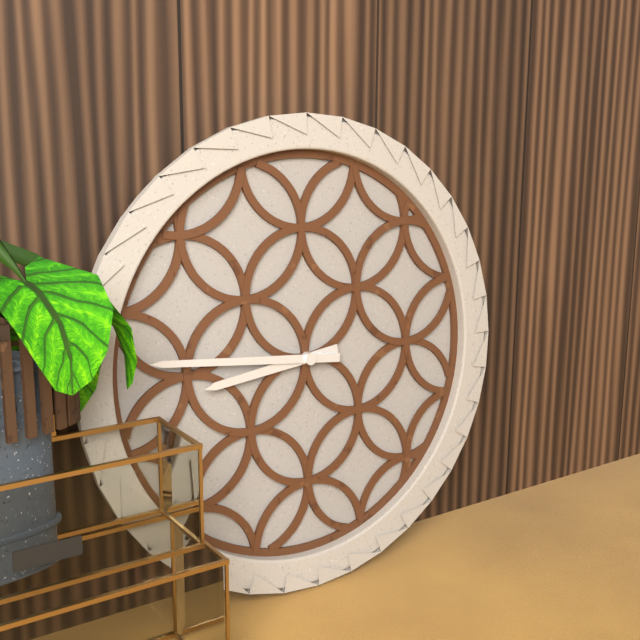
8:46
